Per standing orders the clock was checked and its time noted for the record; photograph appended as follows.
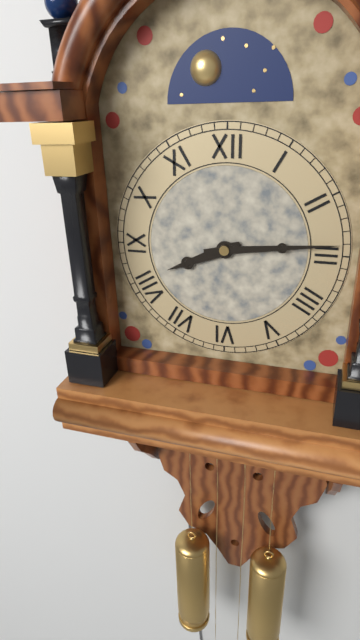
8:14
